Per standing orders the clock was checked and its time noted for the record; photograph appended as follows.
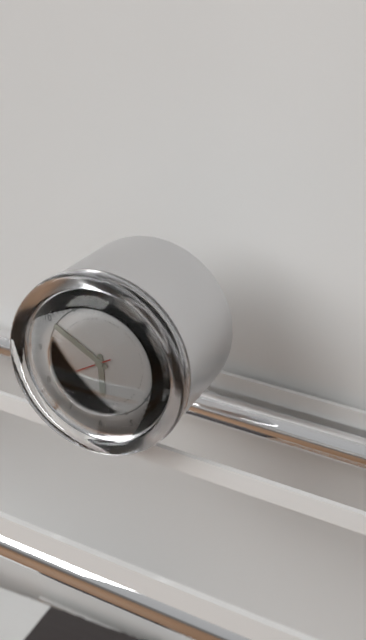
5:50:40
